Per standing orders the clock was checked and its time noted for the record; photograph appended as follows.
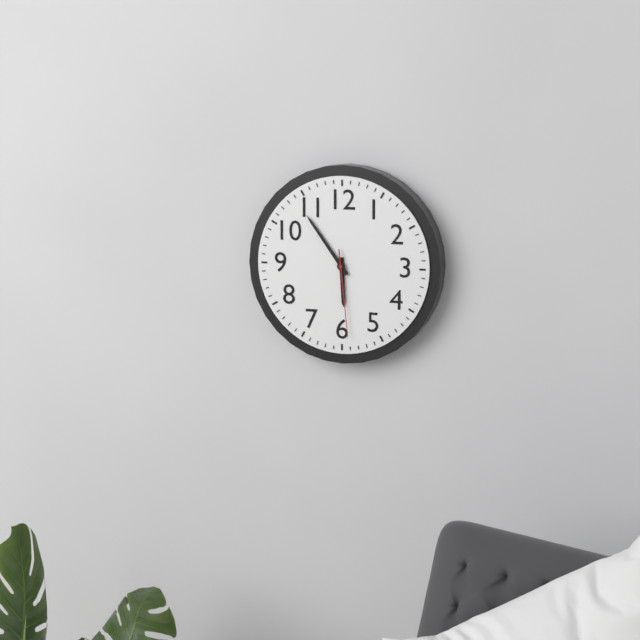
5:54:29
